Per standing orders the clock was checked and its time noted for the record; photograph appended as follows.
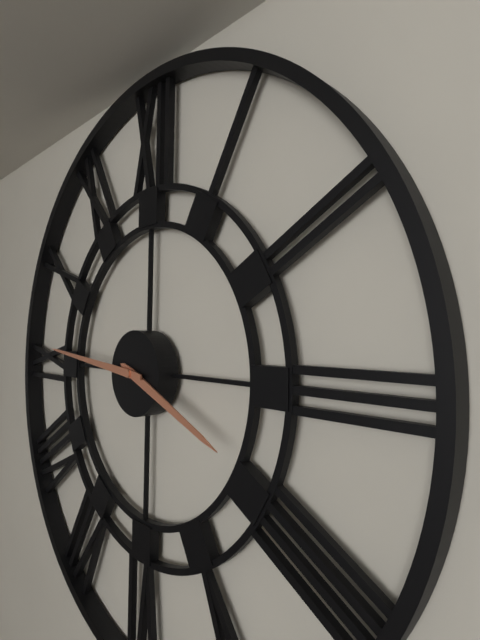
3:46
